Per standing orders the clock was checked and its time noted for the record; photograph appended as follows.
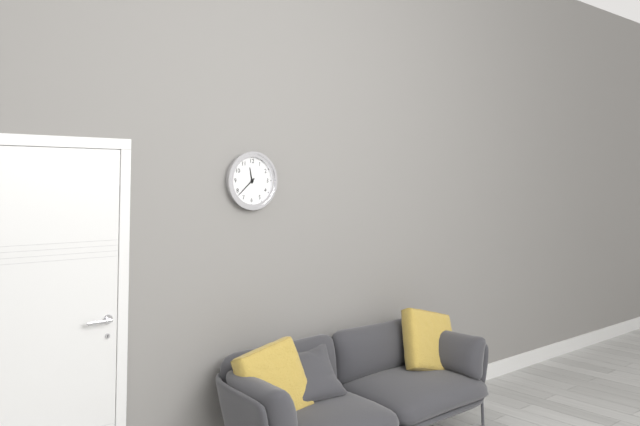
11:38
